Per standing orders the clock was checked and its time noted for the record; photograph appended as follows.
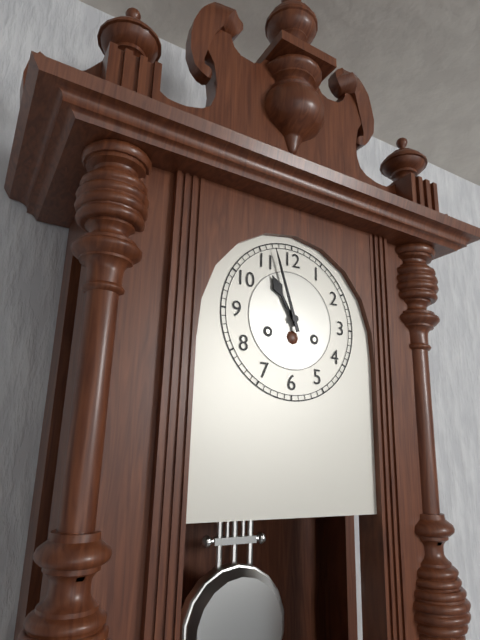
10:57
